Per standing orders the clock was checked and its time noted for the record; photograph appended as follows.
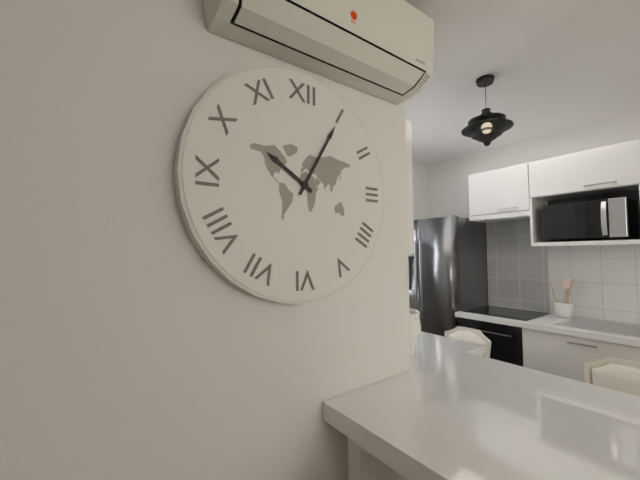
10:05
